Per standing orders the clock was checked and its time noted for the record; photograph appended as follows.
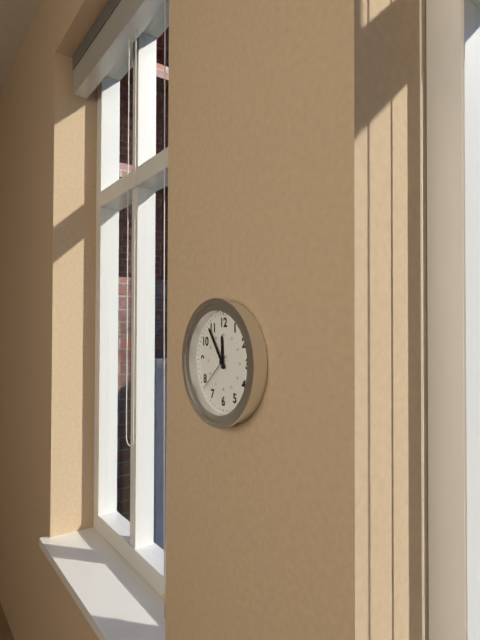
11:54
